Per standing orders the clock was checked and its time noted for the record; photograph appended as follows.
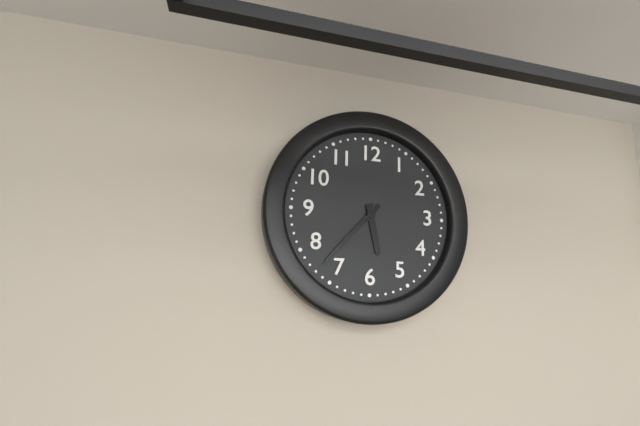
5:37
